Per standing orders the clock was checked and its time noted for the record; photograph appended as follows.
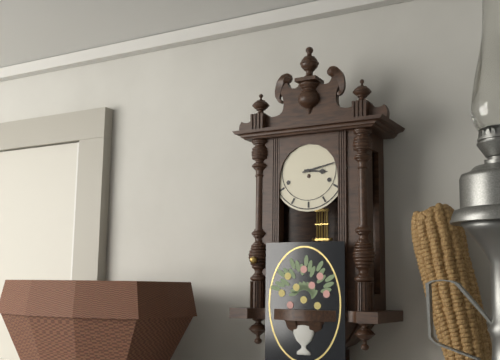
3:13
